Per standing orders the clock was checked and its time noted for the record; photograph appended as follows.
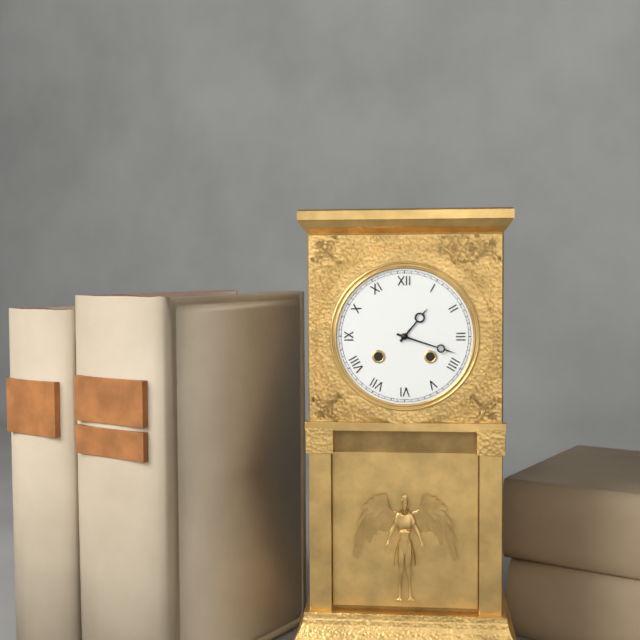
1:18
